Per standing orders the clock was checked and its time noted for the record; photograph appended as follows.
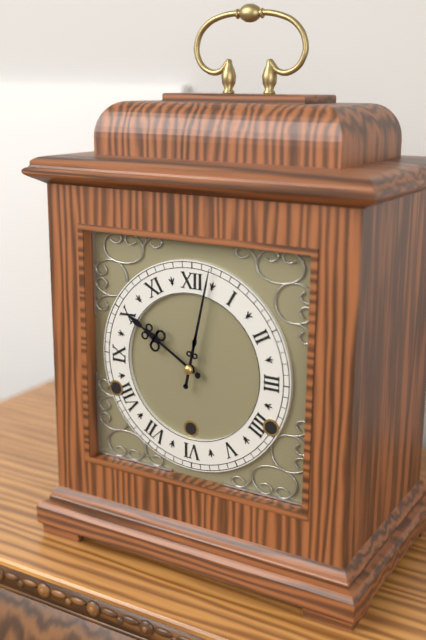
10:02
